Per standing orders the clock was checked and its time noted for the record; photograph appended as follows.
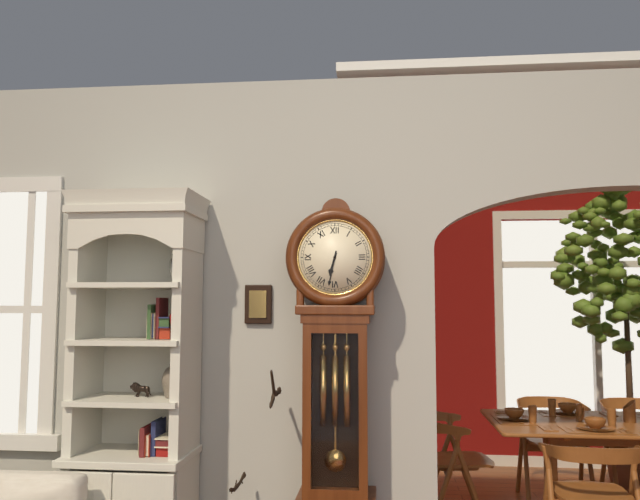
6:32
